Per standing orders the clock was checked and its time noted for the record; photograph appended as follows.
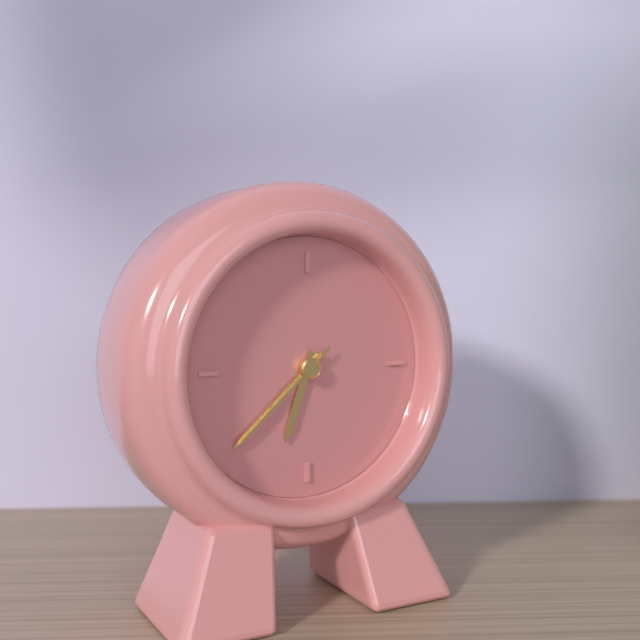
6:38:38
